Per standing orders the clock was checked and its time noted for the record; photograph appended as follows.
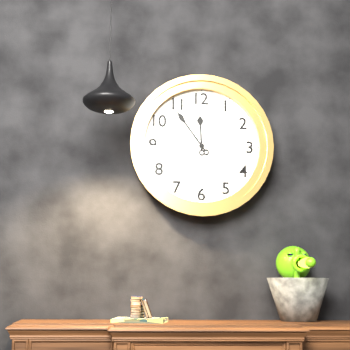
11:54
